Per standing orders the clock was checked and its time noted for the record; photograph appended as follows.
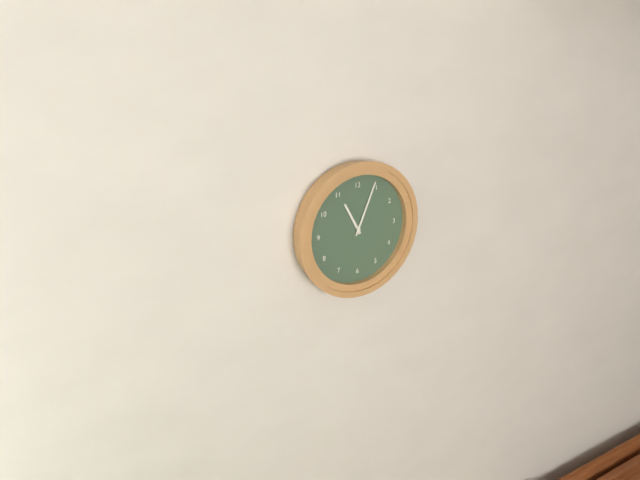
11:04
